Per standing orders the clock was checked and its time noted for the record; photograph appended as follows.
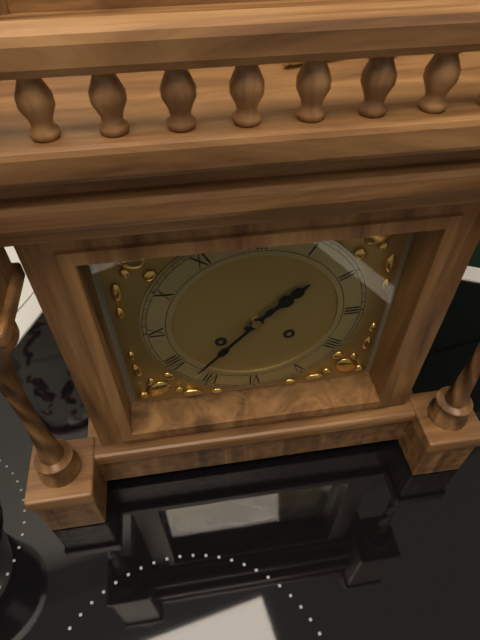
1:37
